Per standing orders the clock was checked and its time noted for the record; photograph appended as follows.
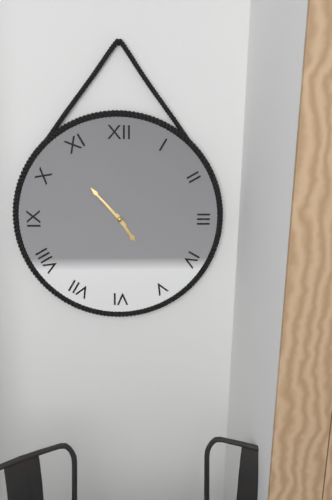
4:53
